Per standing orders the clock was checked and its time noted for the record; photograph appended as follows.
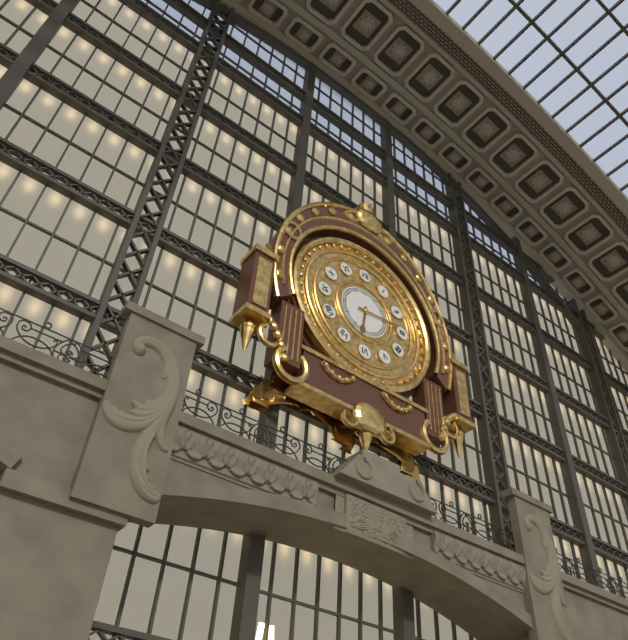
6:14
